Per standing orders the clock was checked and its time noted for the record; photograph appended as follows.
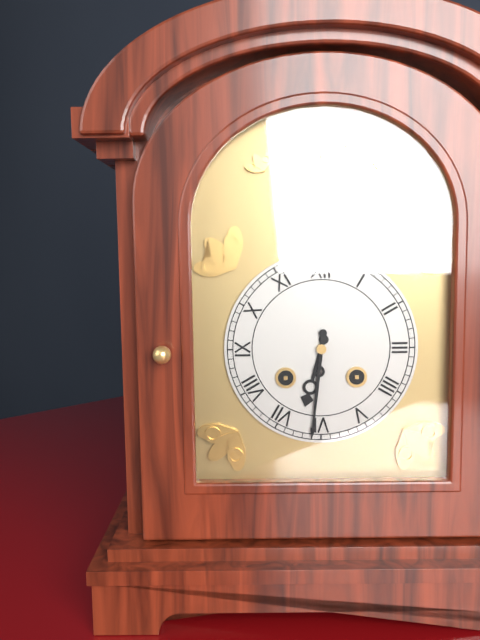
6:31
